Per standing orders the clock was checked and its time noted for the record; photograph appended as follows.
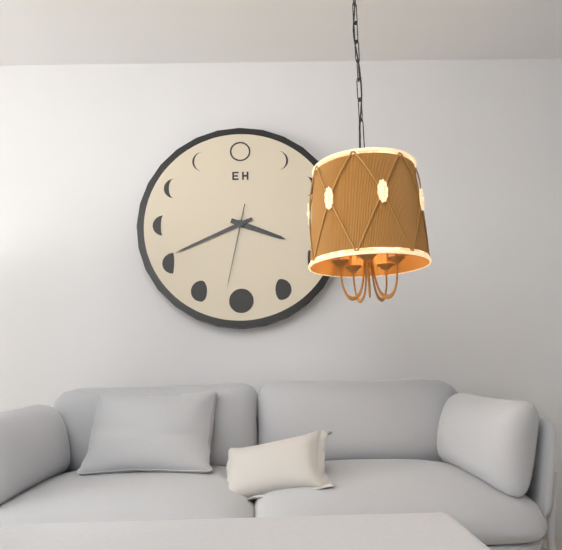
3:41:32
